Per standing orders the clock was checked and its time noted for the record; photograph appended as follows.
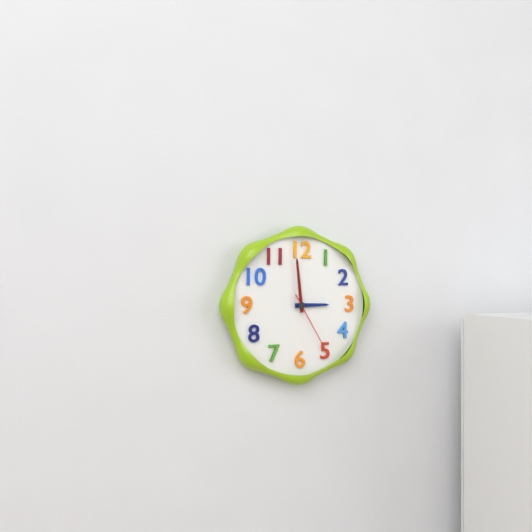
2:59:25
